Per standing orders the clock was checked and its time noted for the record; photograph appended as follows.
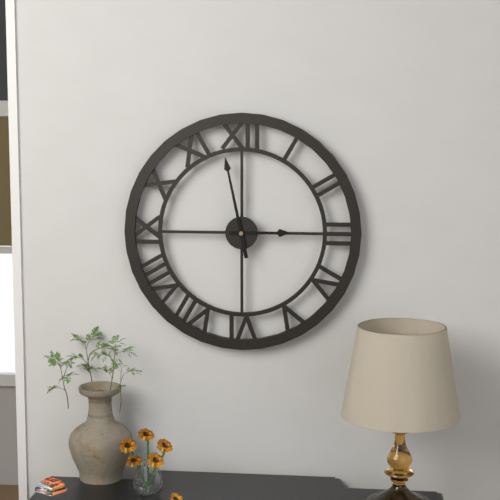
2:58
